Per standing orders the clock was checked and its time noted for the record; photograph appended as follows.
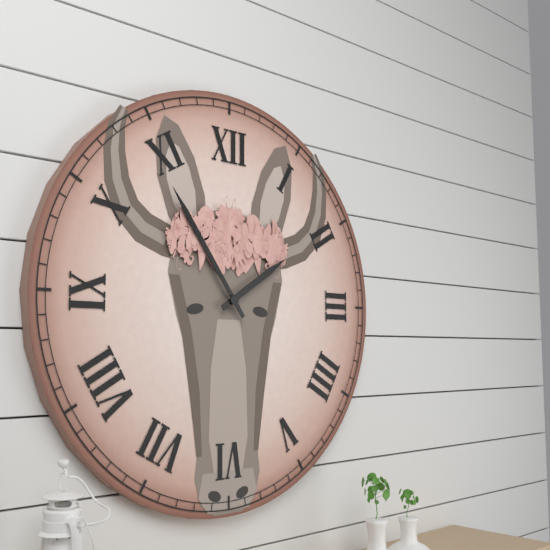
1:54
